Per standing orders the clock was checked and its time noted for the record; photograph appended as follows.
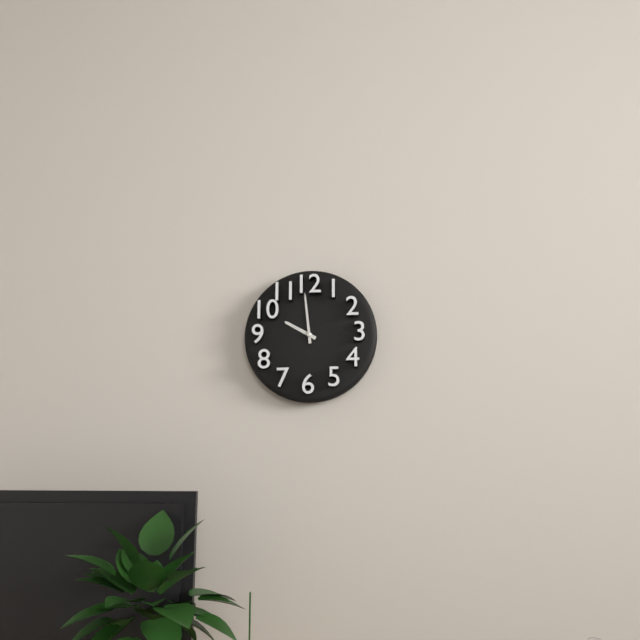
9:59
